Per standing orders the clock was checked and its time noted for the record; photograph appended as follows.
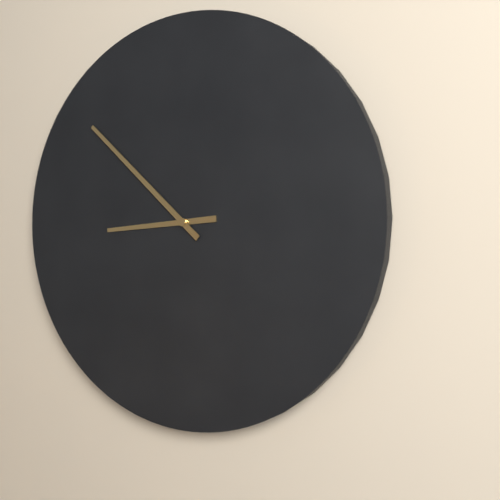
8:52
